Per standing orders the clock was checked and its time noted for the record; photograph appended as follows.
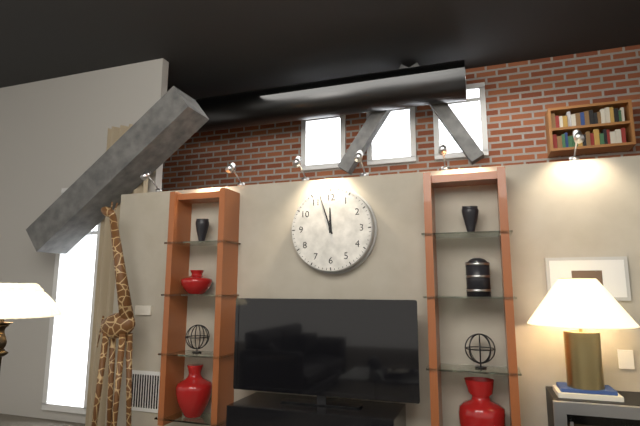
11:57
